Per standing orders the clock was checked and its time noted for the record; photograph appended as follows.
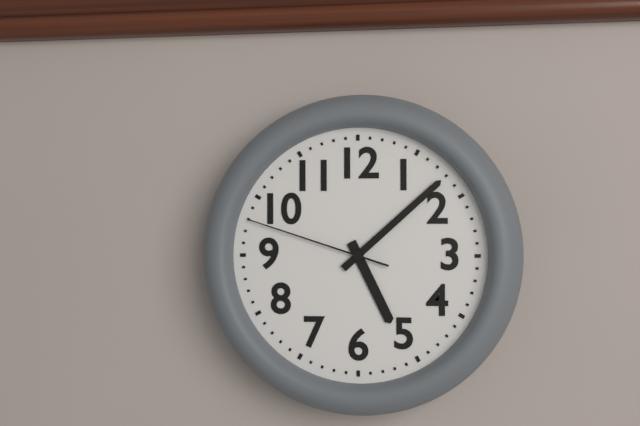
5:08:48
